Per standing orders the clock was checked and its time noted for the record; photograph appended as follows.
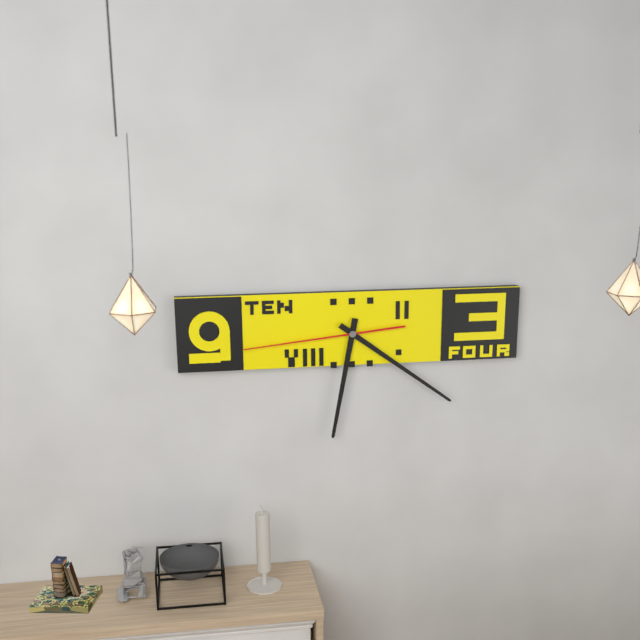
6:21:44
